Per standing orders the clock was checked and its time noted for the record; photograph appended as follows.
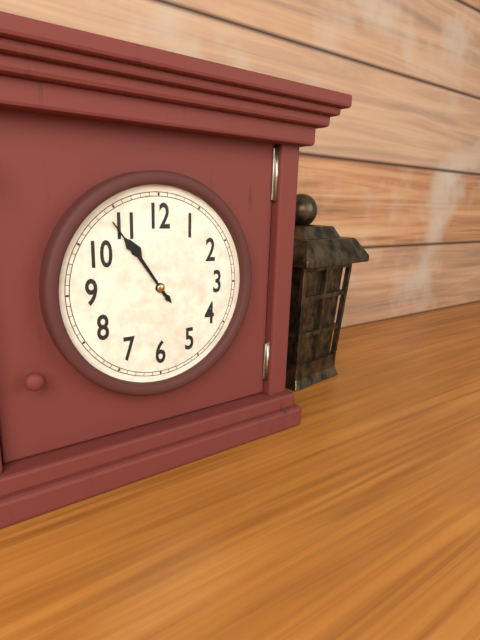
10:54
